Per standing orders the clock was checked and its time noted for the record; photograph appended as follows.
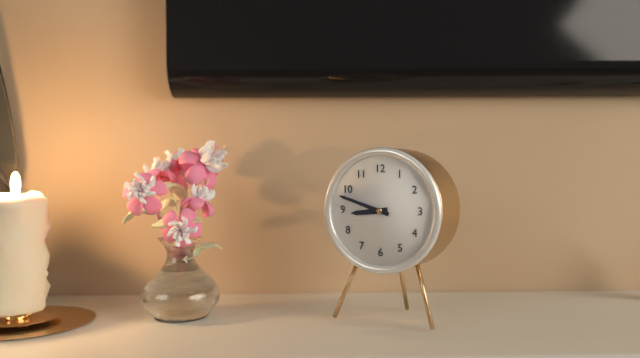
8:48
